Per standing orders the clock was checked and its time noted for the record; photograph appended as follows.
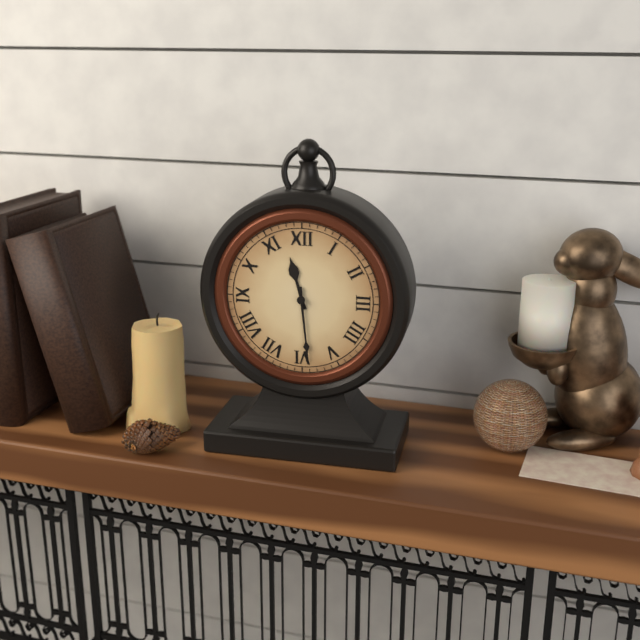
11:29
